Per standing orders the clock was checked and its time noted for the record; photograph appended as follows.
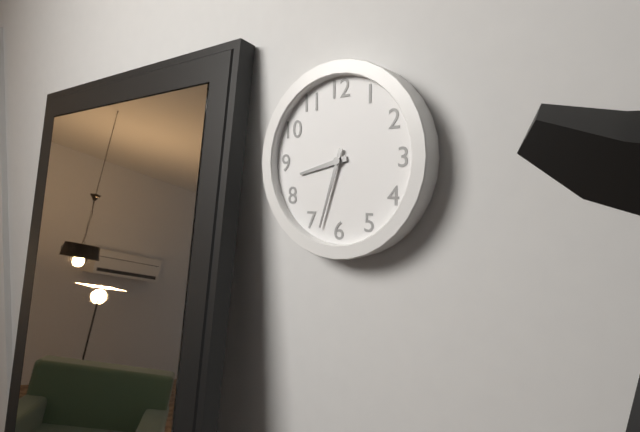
8:33
